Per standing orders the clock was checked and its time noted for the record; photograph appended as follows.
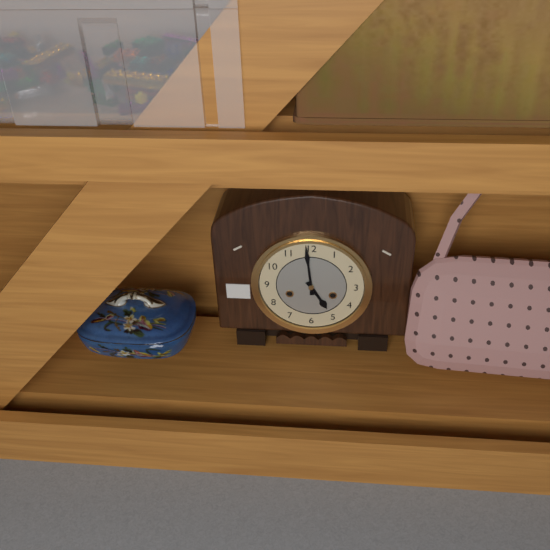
4:59
